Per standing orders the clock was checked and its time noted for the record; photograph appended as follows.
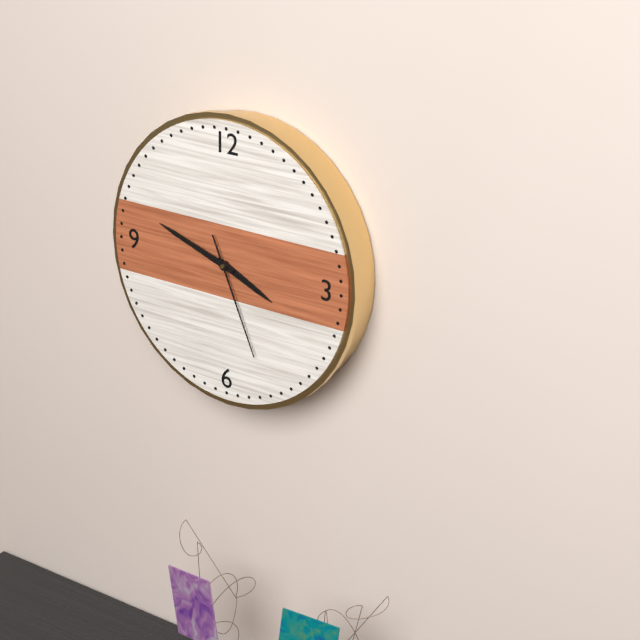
3:48:26
